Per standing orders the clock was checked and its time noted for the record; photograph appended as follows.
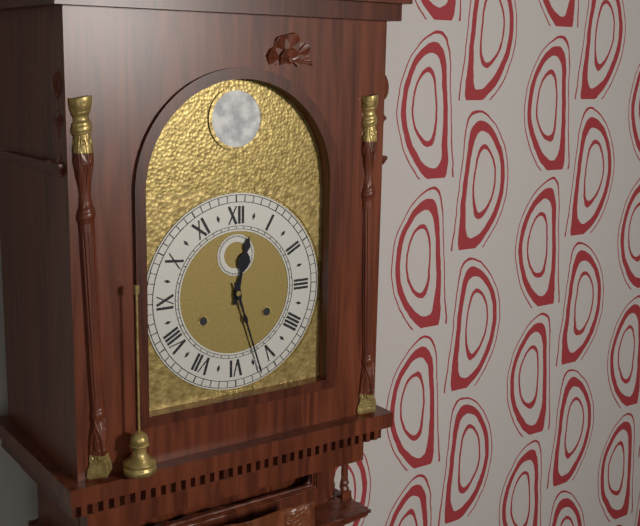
12:27
